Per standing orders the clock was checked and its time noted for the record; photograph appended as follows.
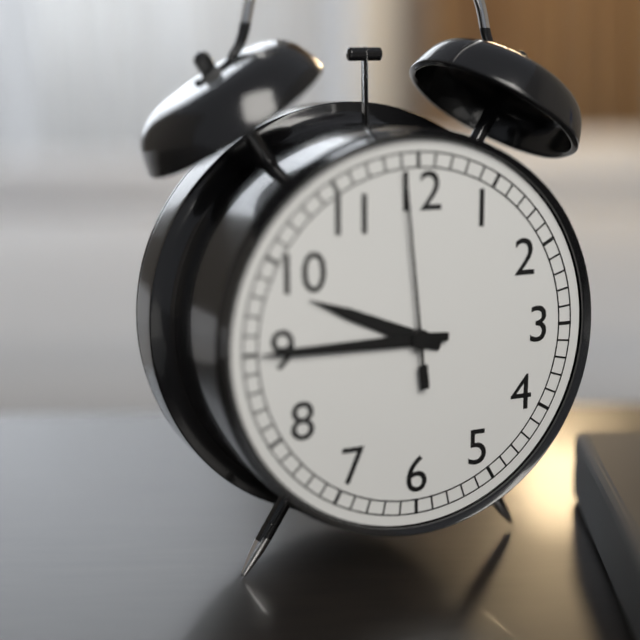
9:45:59
